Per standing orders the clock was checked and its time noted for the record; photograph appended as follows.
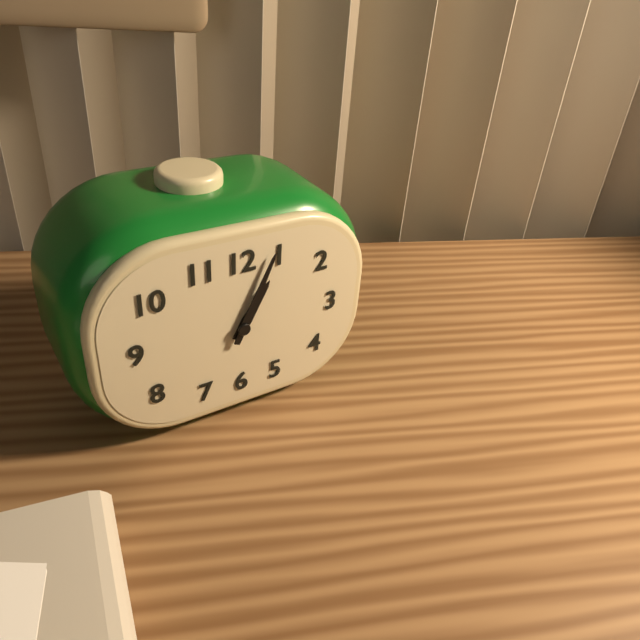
1:04
